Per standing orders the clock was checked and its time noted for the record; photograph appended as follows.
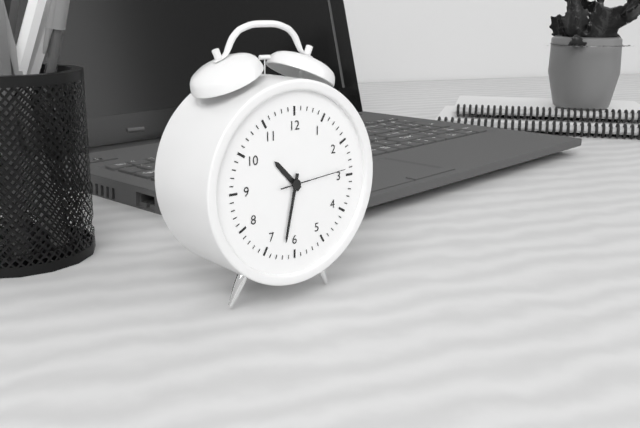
10:32:14
